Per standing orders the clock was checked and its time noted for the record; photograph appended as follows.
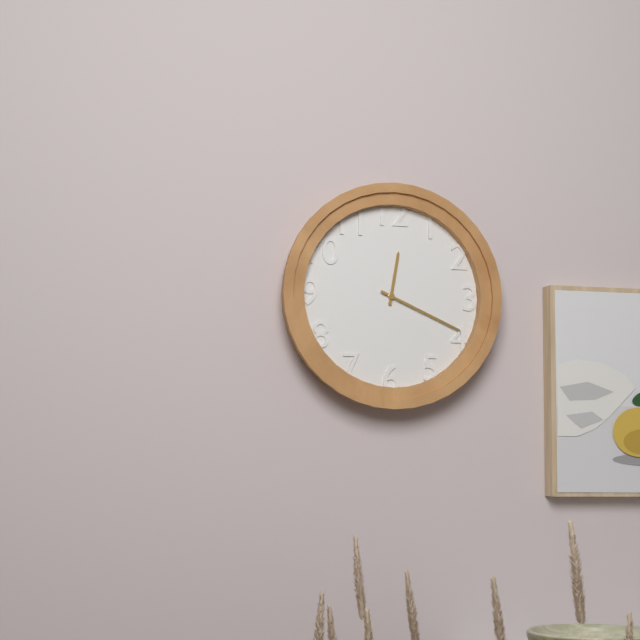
12:19
